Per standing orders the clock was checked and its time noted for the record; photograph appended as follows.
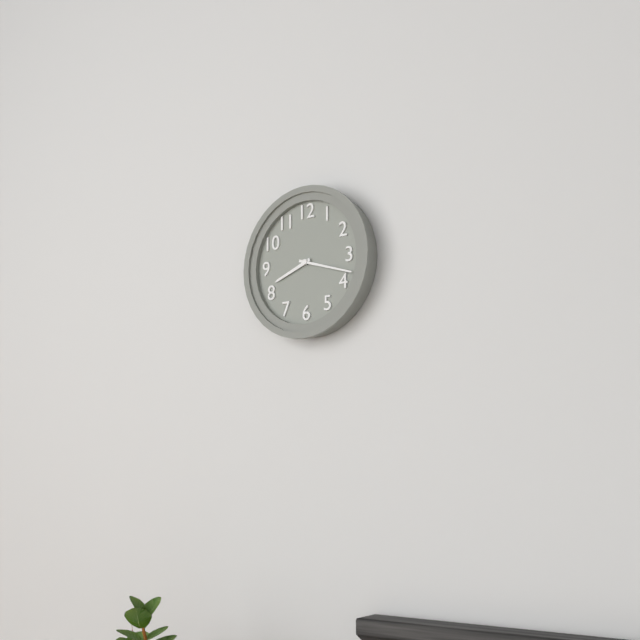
8:18
